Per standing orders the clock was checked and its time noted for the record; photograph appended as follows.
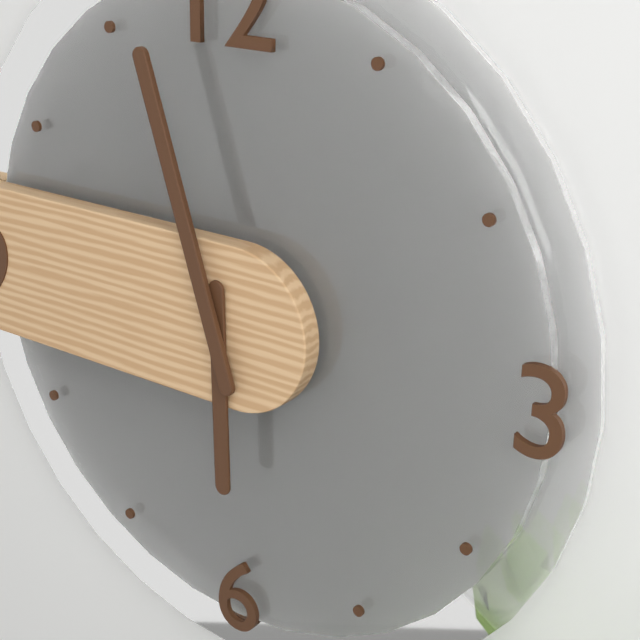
5:57
